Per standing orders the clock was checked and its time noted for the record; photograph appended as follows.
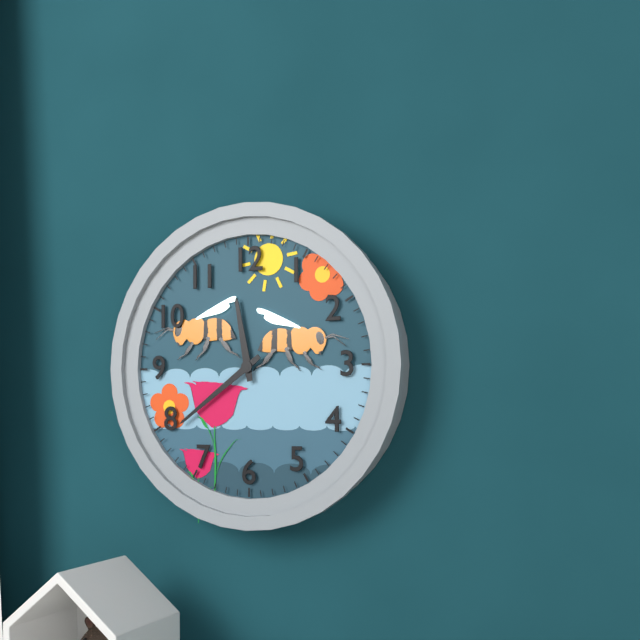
11:39
